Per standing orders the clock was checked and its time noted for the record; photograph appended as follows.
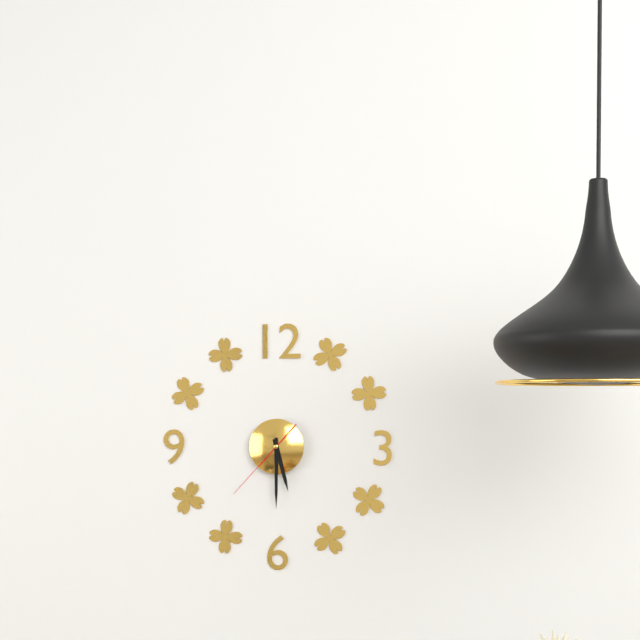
5:30:37
